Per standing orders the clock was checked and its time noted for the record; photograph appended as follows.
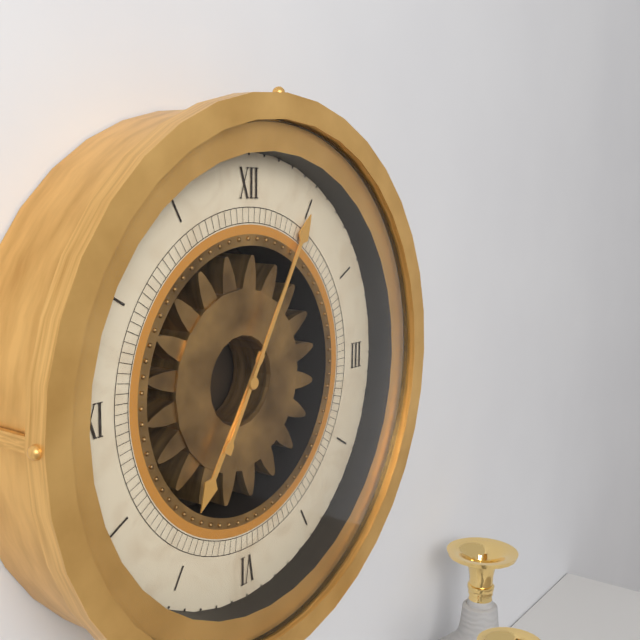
7:05
